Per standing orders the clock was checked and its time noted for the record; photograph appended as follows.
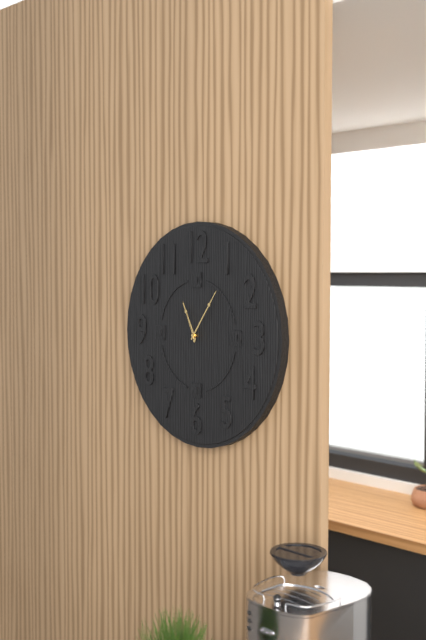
11:06
